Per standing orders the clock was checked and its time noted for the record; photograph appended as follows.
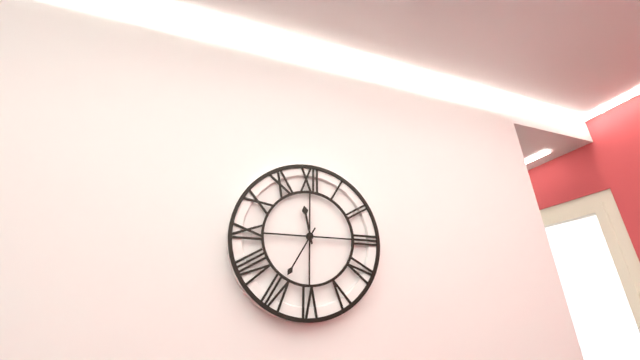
11:35
